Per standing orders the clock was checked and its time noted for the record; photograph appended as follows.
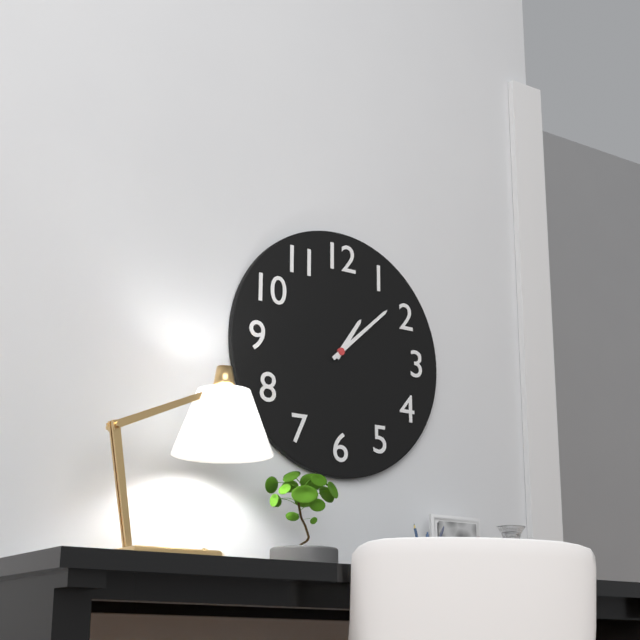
1:08
